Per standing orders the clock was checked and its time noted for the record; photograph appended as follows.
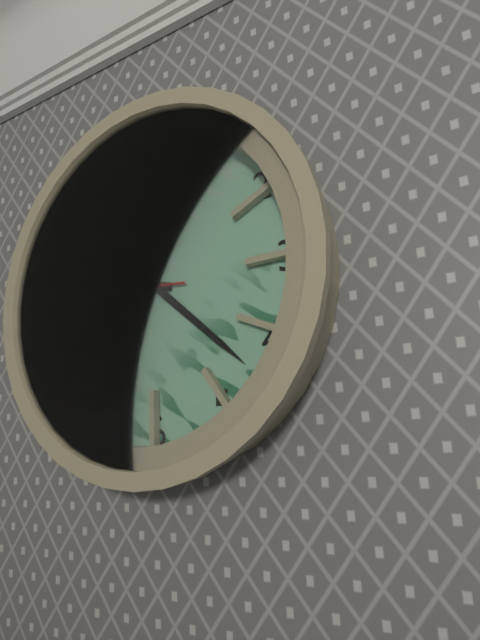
9:22:46
